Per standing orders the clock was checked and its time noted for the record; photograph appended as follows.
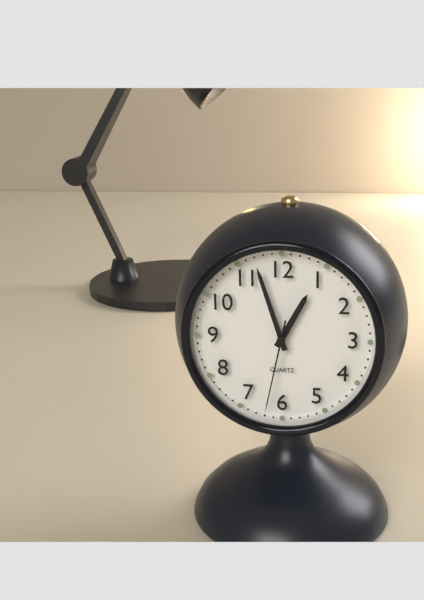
12:57:32
